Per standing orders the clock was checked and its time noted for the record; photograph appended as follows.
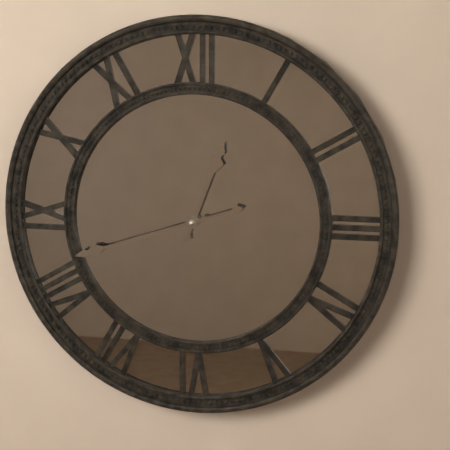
12:42
